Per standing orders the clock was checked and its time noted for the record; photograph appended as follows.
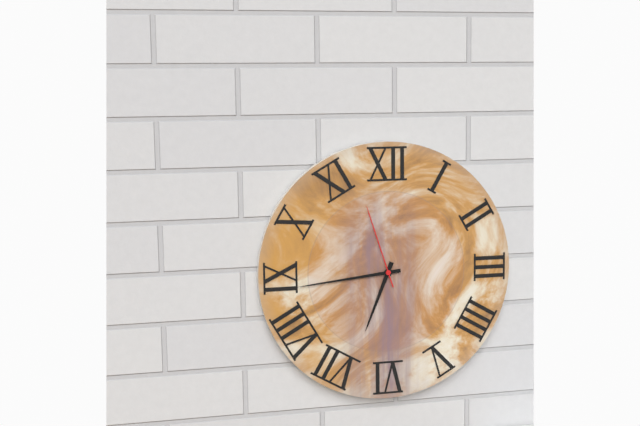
6:44:57
